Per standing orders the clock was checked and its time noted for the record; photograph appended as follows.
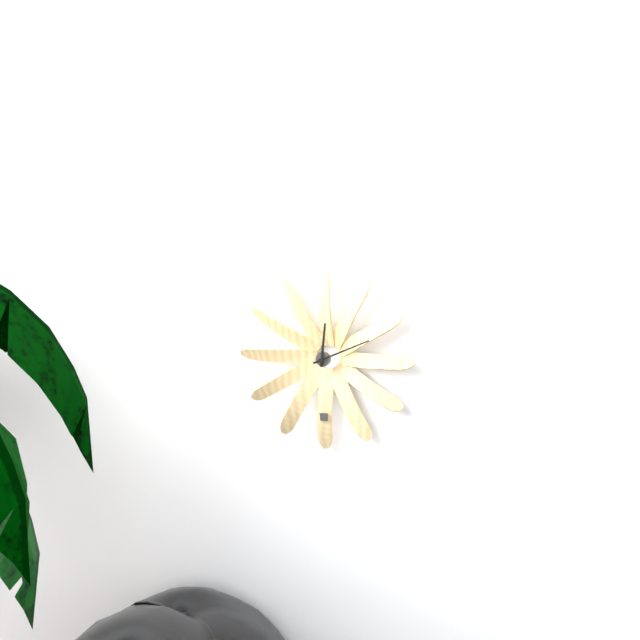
12:11
